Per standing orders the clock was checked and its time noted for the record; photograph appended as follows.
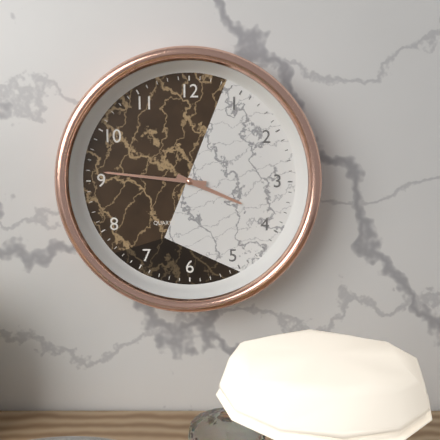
3:46
